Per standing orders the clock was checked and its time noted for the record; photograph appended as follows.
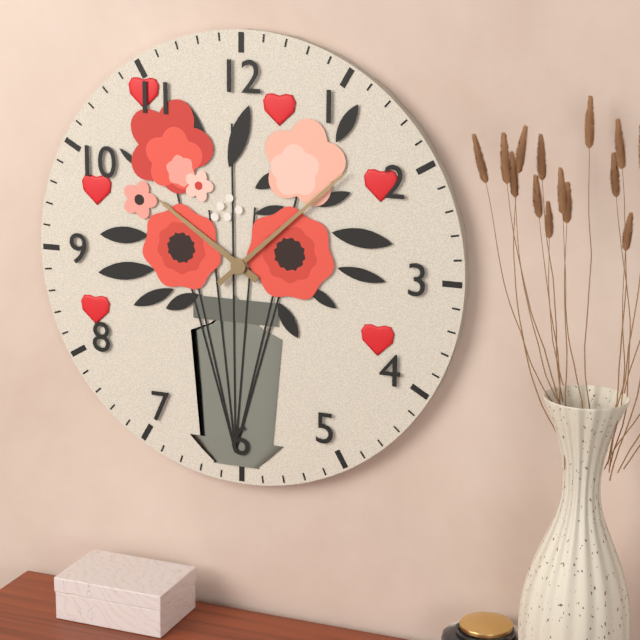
10:08
